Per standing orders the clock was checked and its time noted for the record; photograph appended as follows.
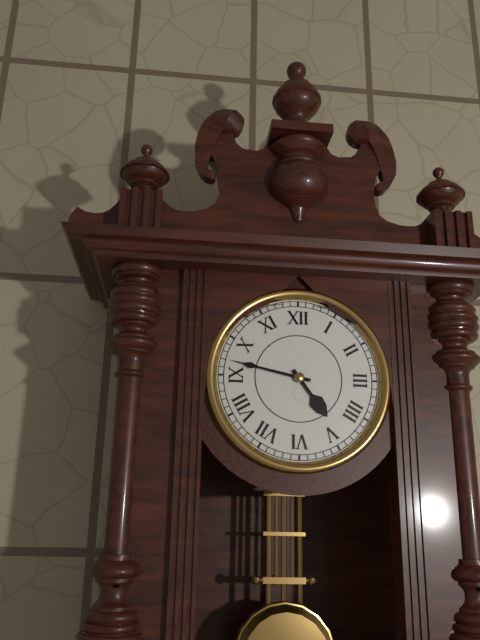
4:47
